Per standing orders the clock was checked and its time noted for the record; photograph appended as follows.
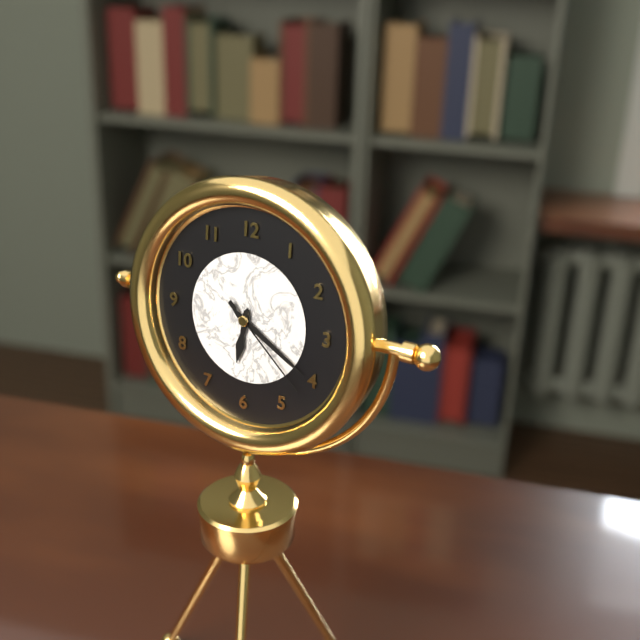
6:20:22
